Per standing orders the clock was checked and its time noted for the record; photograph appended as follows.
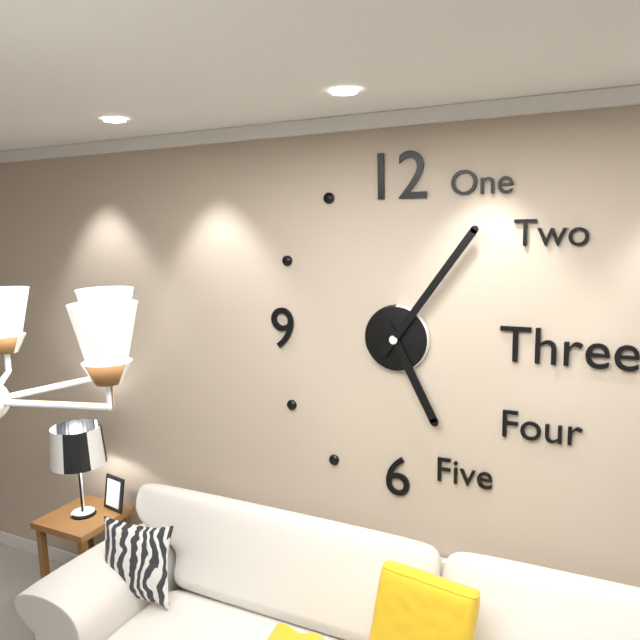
5:06
